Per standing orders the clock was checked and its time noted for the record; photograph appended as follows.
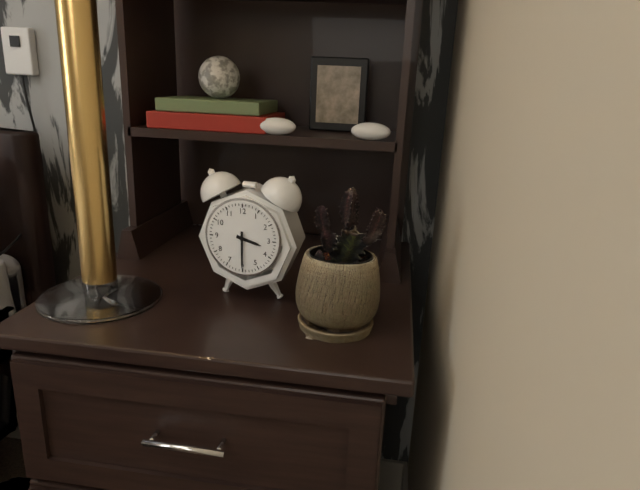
3:30
